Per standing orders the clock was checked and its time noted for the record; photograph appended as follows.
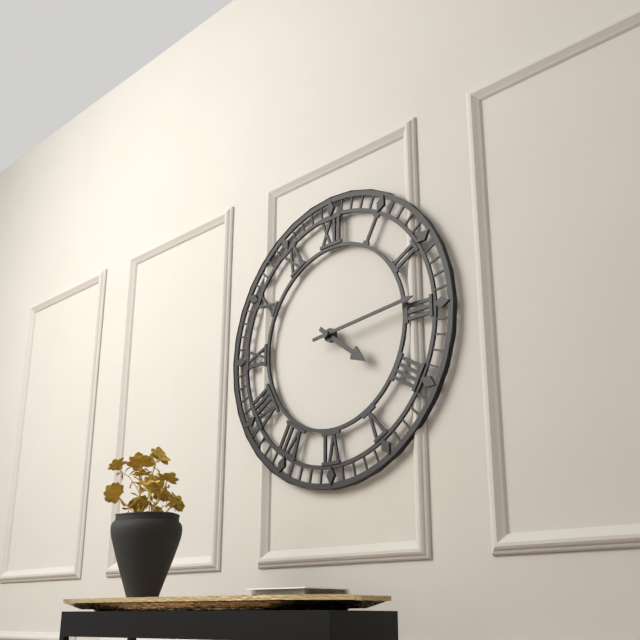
4:14
